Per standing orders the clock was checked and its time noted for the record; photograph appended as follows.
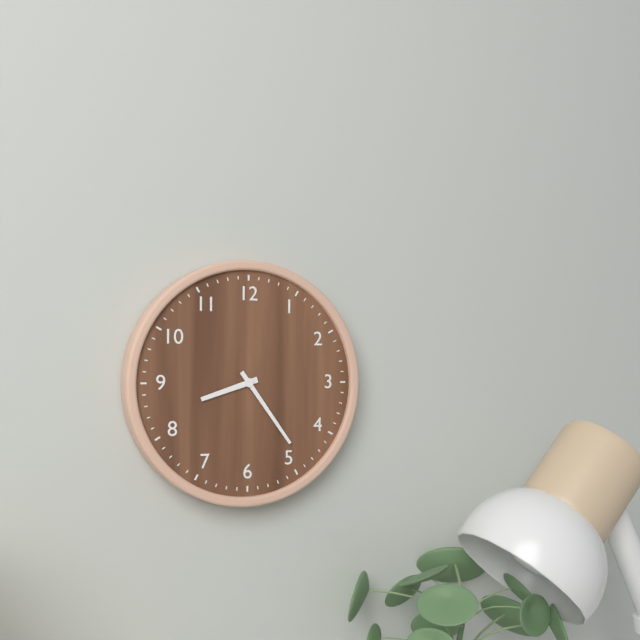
8:24
